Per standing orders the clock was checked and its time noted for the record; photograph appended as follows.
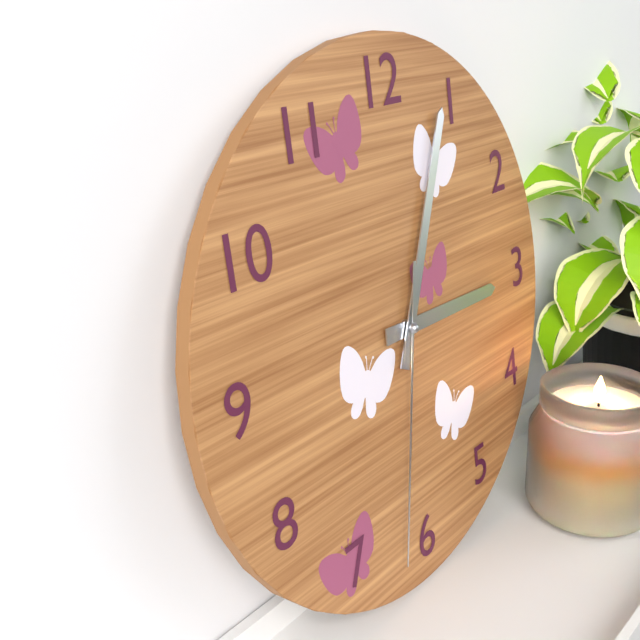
3:04:32
